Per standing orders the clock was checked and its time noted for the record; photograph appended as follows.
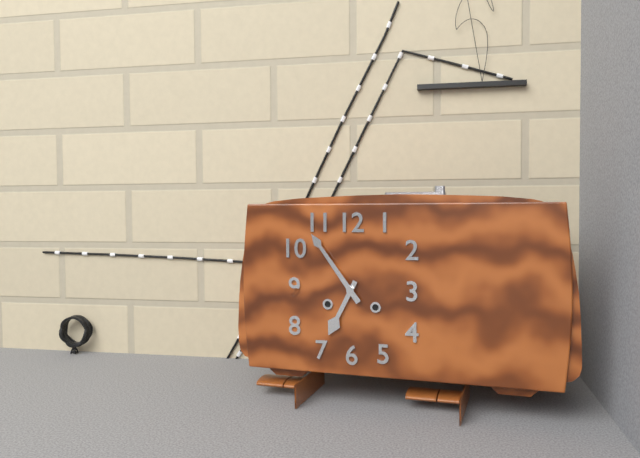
6:54
